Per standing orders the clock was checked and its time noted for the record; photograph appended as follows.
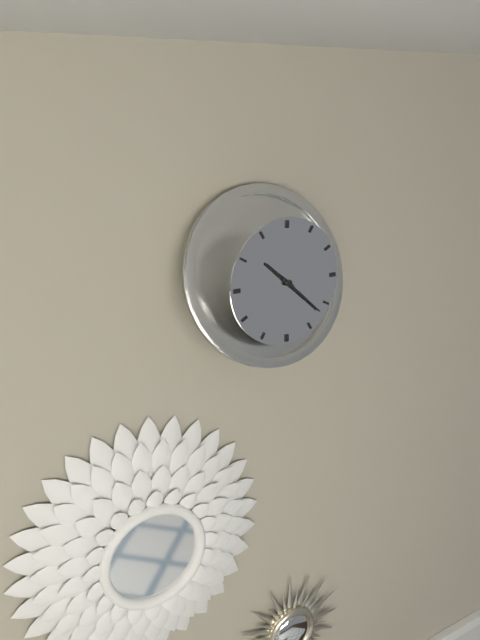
10:22
